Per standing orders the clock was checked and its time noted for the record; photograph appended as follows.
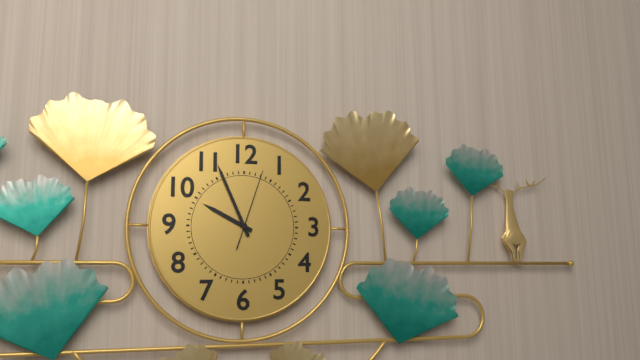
9:56:03
